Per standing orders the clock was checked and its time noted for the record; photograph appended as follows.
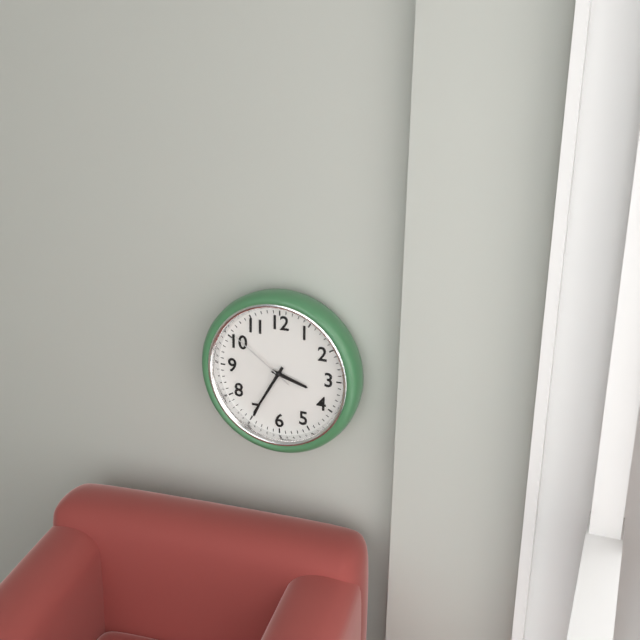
3:35:51
